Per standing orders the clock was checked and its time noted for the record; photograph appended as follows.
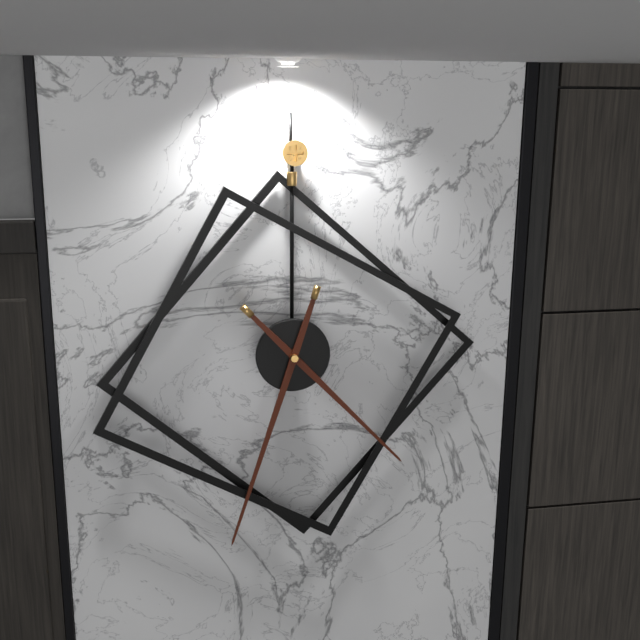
4:33
